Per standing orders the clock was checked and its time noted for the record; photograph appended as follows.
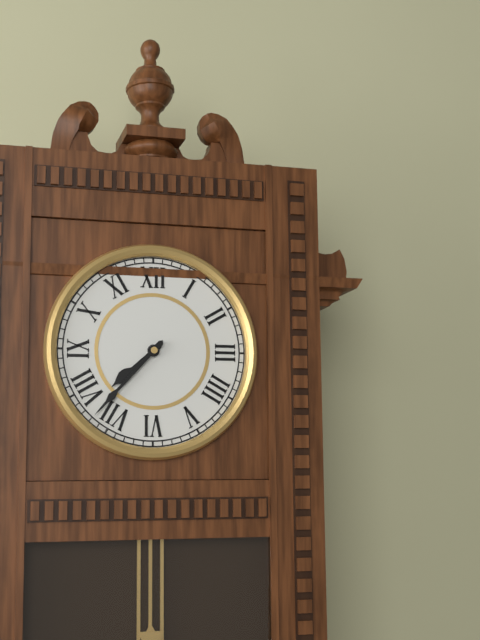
7:37
